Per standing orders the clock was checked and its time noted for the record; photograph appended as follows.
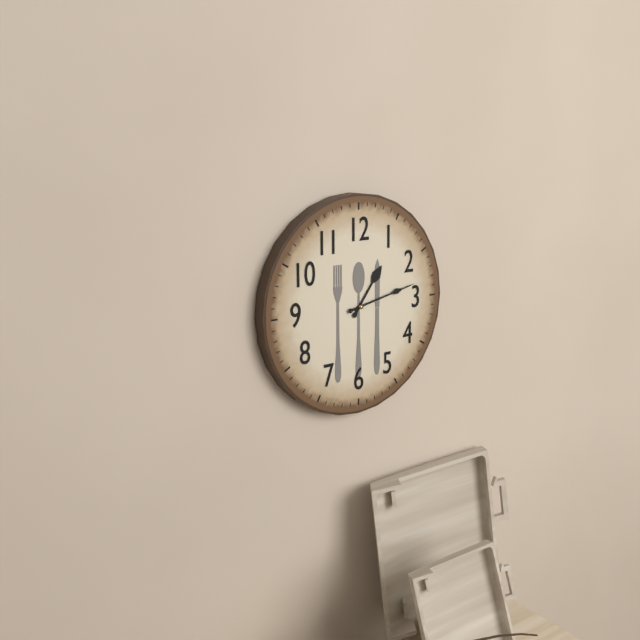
1:13
